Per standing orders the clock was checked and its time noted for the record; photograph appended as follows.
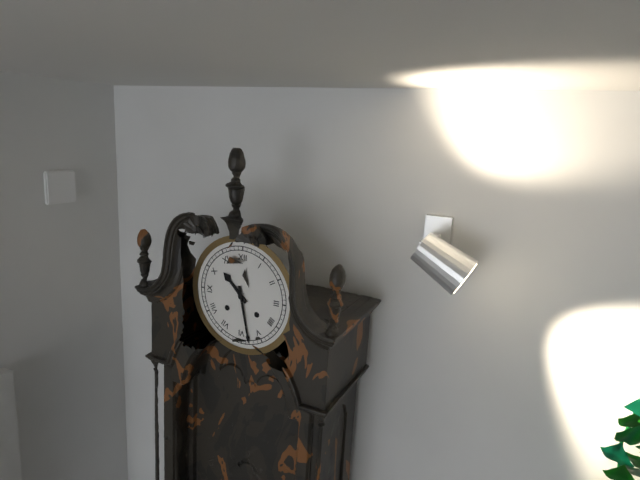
10:28
